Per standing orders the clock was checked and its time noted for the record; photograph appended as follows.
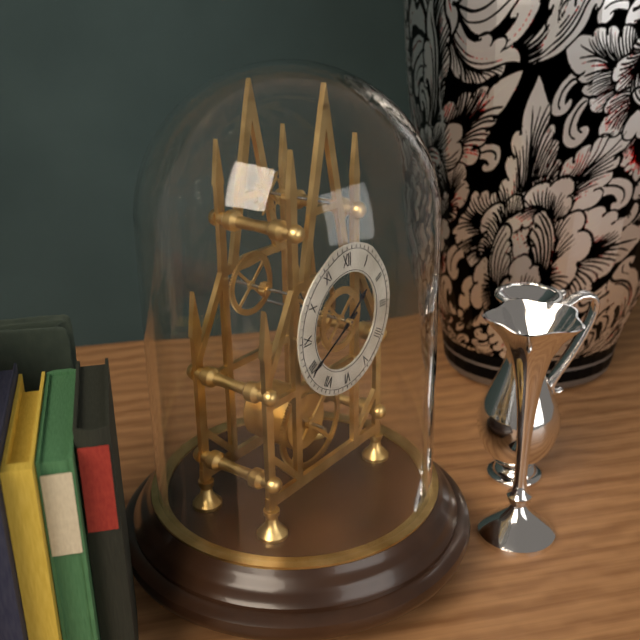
1:40
